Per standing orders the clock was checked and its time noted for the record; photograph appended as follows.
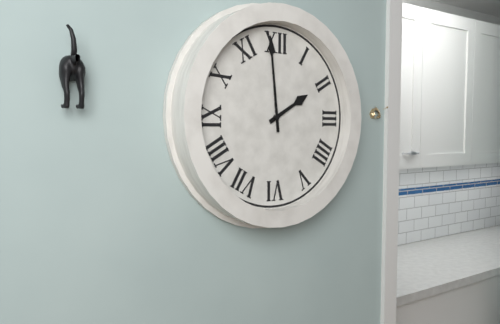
1:59
